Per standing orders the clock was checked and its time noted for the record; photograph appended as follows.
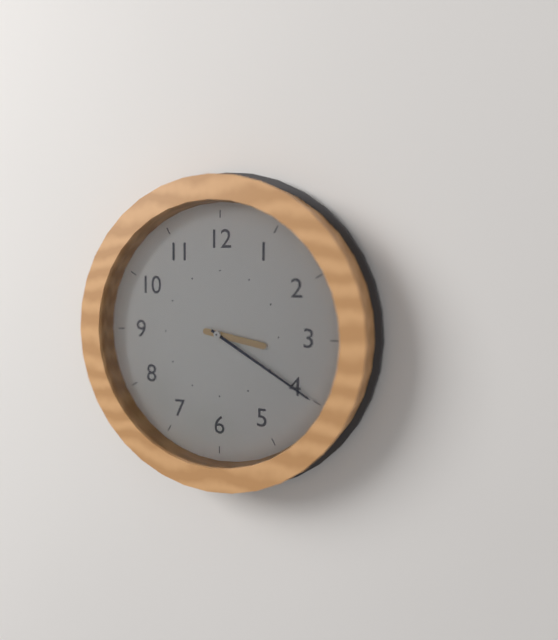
3:20
